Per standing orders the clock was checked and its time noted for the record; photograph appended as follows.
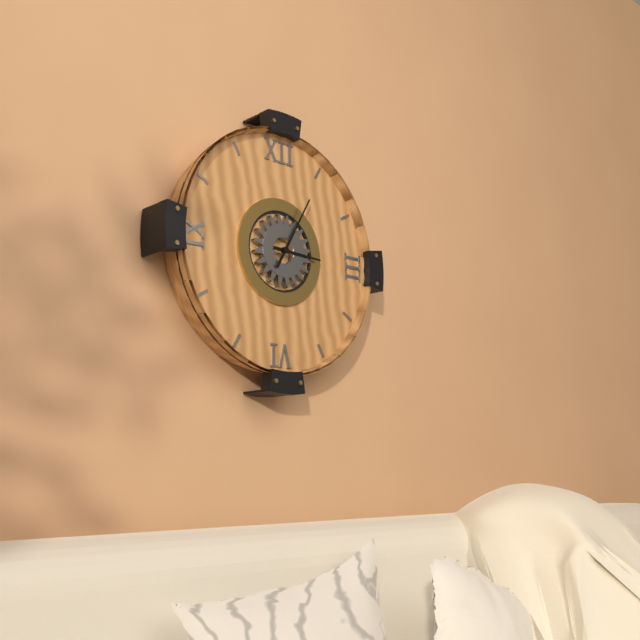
3:05
